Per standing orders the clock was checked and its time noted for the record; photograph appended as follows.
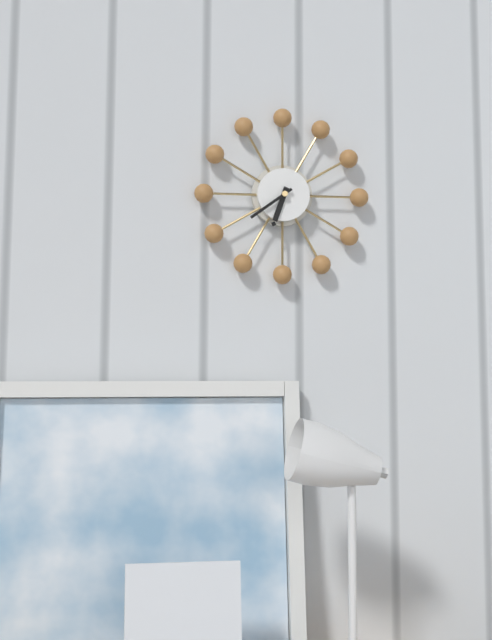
6:39
